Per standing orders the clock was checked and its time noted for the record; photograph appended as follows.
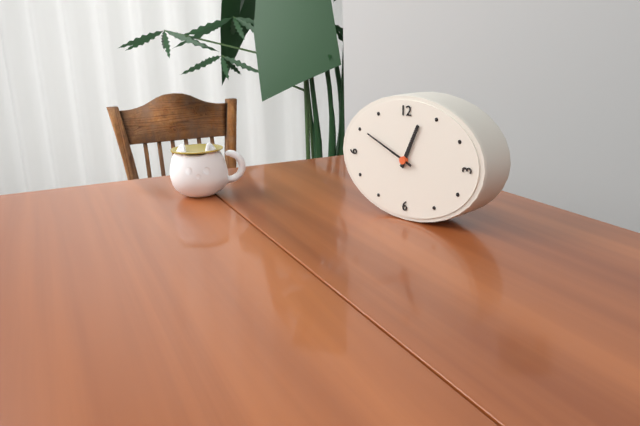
12:49
